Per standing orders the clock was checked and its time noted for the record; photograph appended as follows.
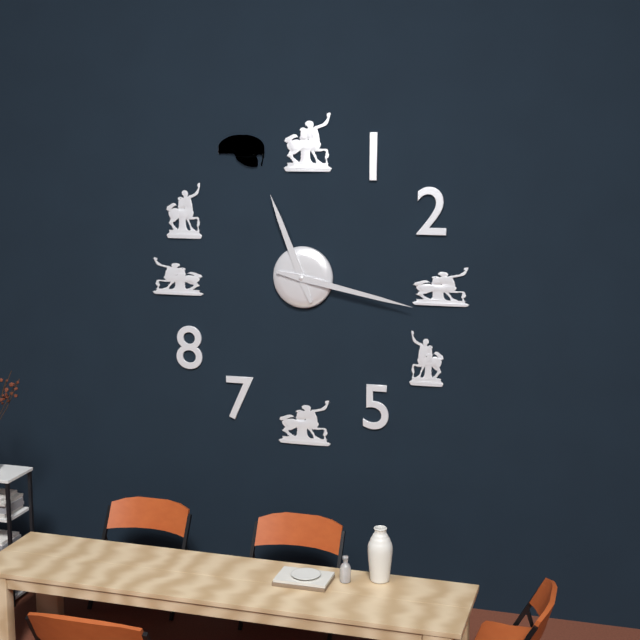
11:17
